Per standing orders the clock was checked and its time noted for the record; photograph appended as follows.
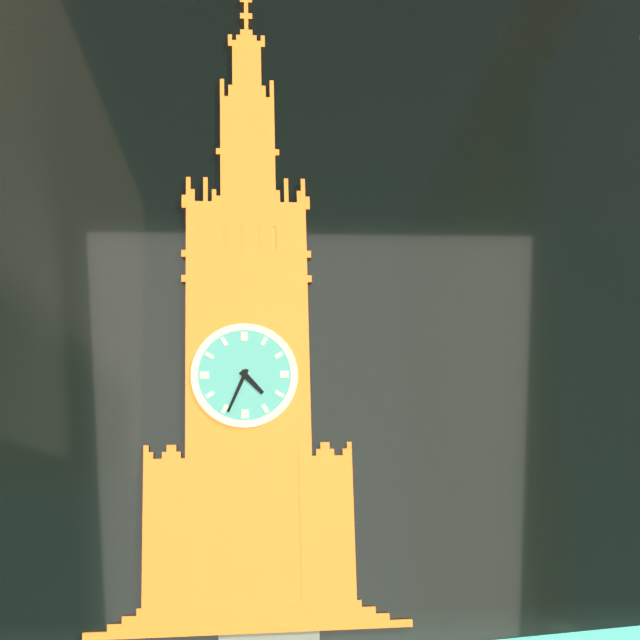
4:34
